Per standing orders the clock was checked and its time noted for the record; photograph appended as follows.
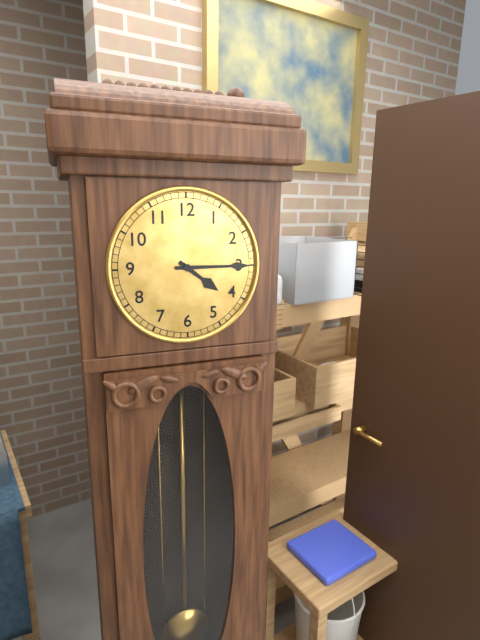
4:15
